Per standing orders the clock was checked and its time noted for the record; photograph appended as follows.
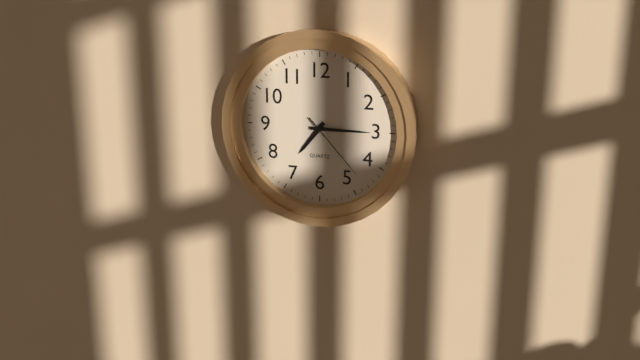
7:15:23
